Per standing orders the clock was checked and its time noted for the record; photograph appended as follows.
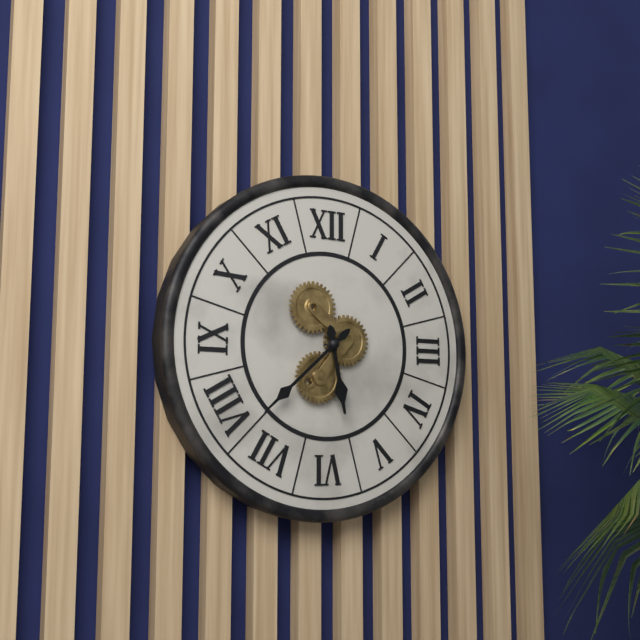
5:38
